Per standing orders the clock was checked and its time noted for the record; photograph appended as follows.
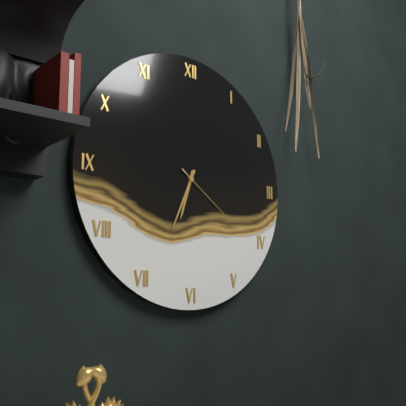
6:34:21
